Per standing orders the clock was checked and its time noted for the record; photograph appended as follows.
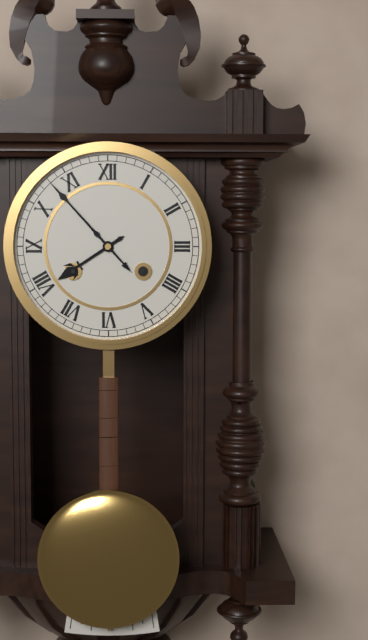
7:53
